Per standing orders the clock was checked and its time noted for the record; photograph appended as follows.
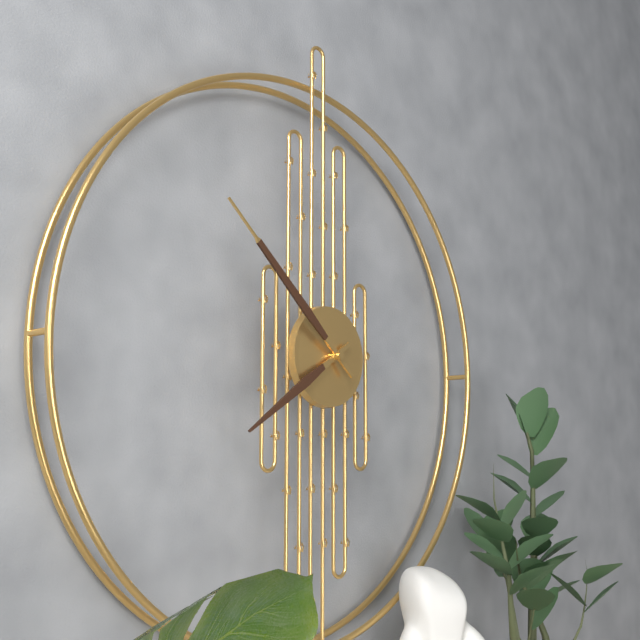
7:52
